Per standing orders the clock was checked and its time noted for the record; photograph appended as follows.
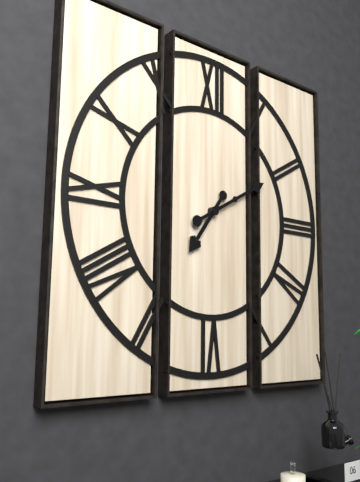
7:10
